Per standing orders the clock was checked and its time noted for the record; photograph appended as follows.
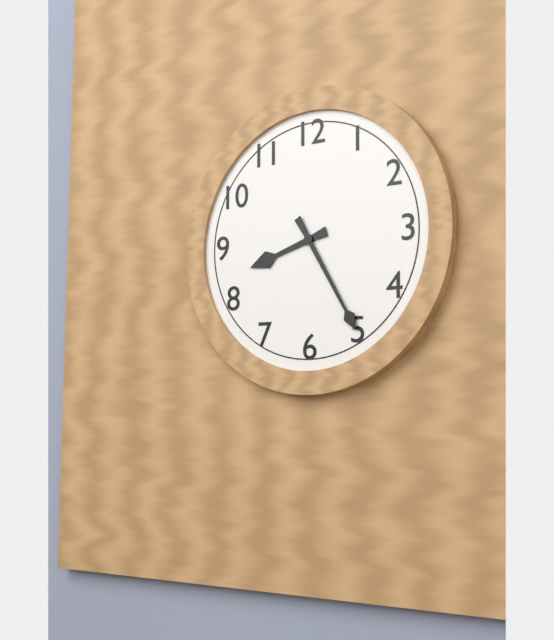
8:25
